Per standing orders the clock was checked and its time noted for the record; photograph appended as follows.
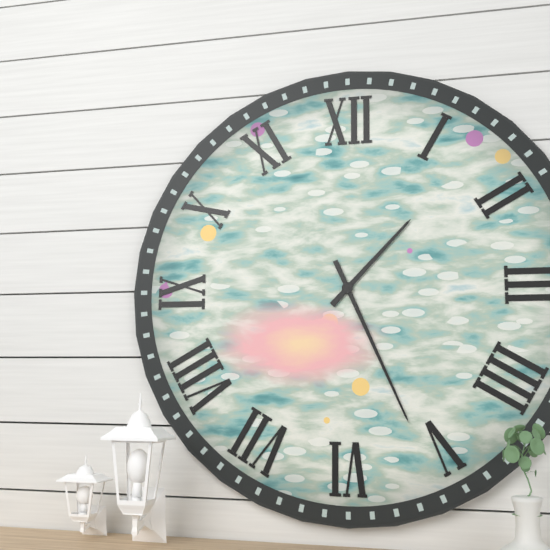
1:26
